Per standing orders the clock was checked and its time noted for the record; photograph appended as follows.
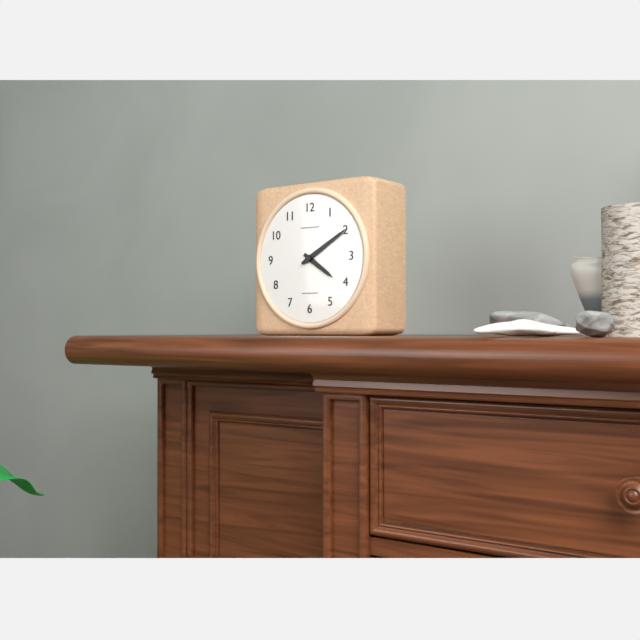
4:10
